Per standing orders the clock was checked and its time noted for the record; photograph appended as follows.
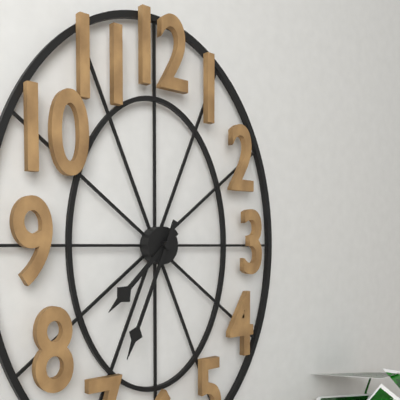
7:34
